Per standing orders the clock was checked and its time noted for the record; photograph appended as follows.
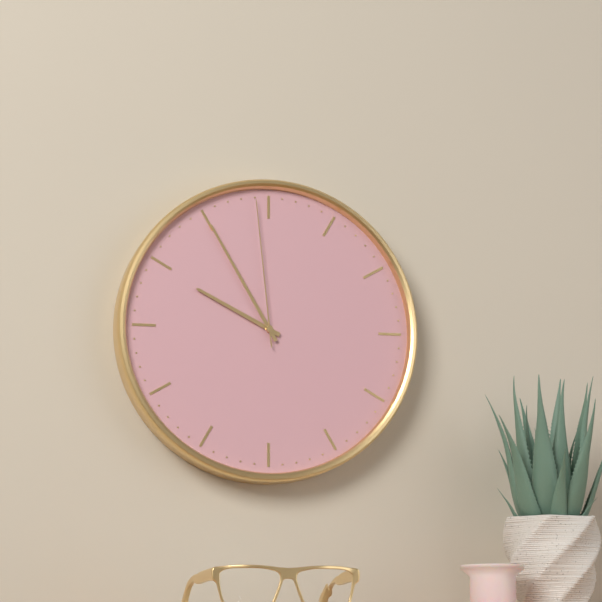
9:55:59
